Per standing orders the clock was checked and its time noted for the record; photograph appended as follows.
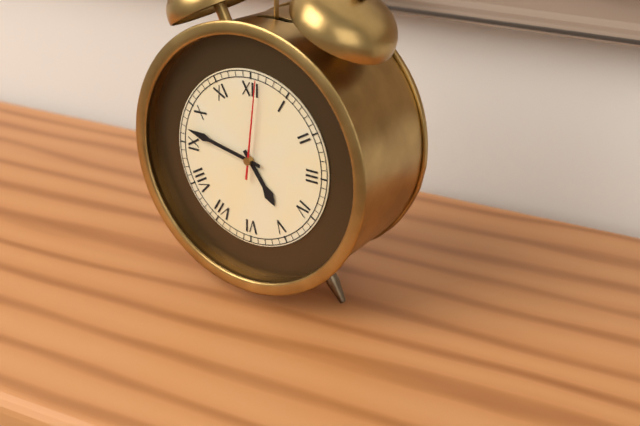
4:47:01
